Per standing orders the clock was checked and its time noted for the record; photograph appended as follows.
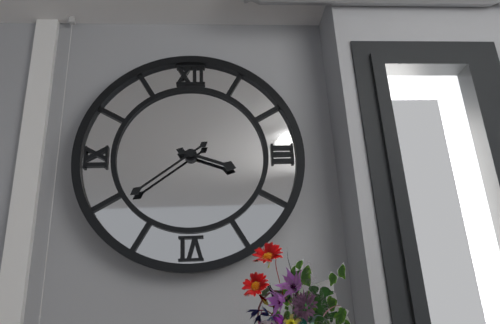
3:39
